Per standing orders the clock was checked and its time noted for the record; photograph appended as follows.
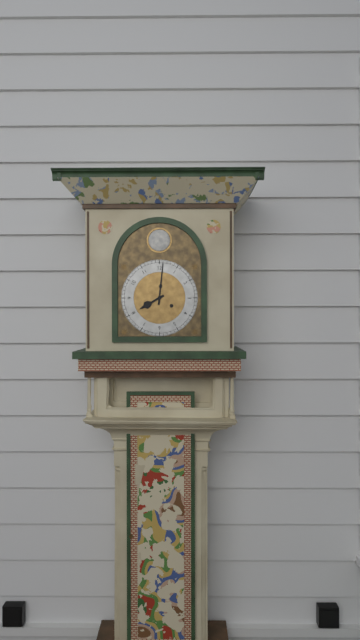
8:01
